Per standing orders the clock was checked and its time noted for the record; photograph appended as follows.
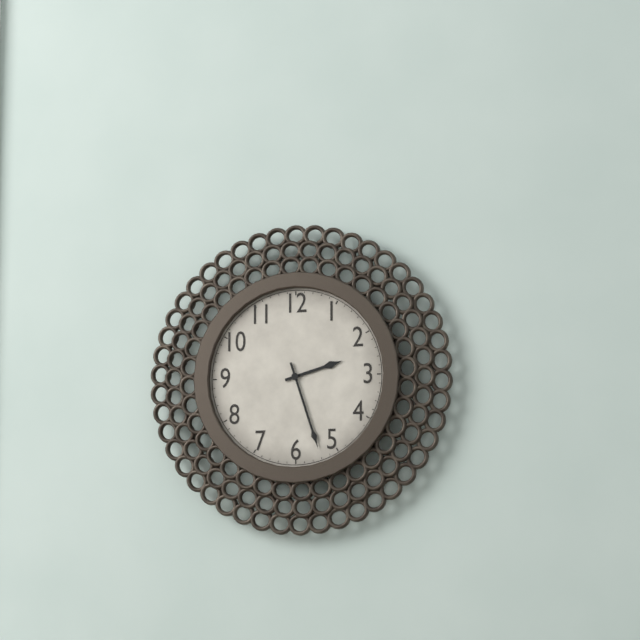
2:27
